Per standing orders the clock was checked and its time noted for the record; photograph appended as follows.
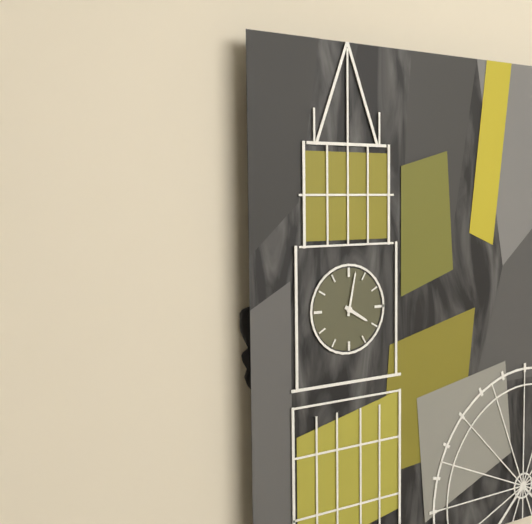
4:02
